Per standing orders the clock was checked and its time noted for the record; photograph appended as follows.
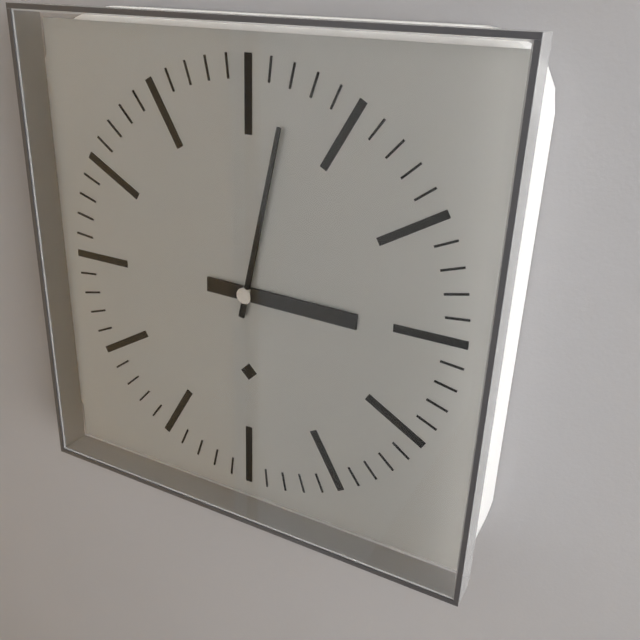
3:02
